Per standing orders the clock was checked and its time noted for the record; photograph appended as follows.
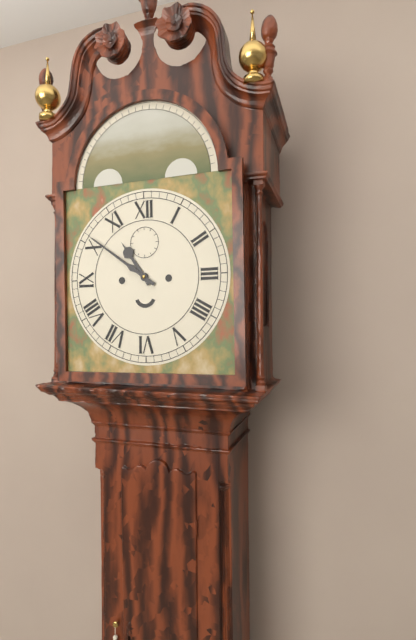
10:51
